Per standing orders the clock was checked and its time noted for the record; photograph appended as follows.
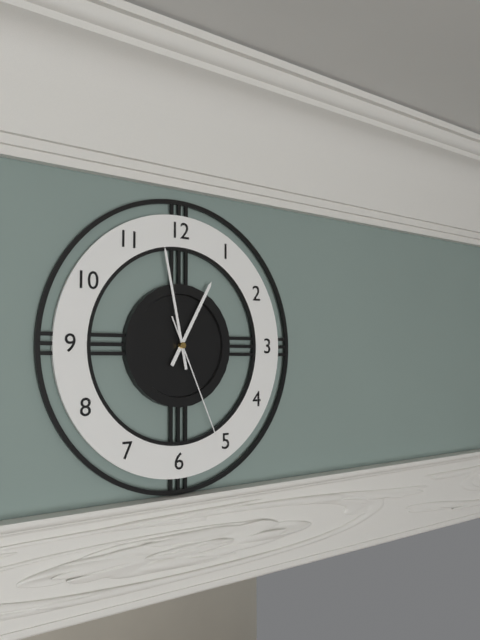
12:58:26
